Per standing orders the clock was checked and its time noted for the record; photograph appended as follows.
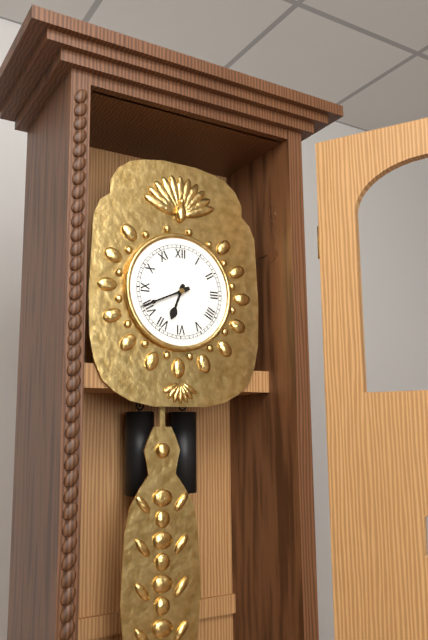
6:41
